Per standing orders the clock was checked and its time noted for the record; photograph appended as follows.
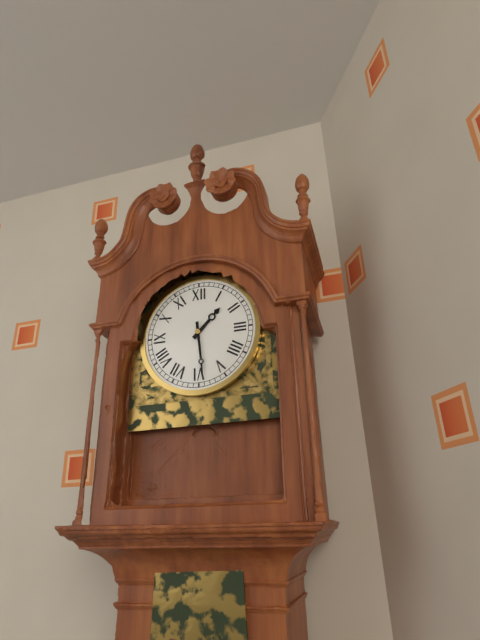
1:29
